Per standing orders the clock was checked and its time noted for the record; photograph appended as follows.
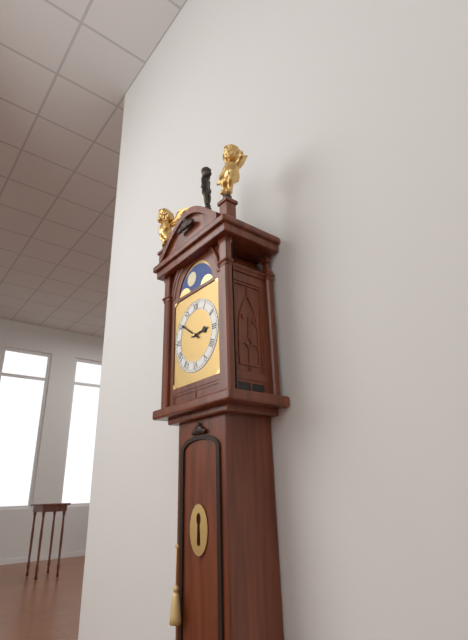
2:51
